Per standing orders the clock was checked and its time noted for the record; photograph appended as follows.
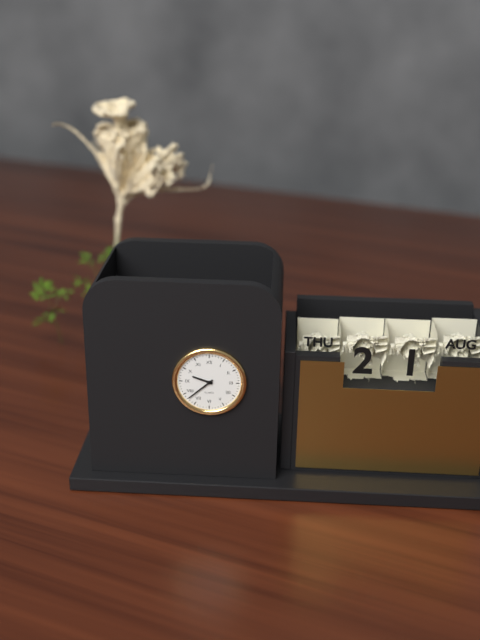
9:38
